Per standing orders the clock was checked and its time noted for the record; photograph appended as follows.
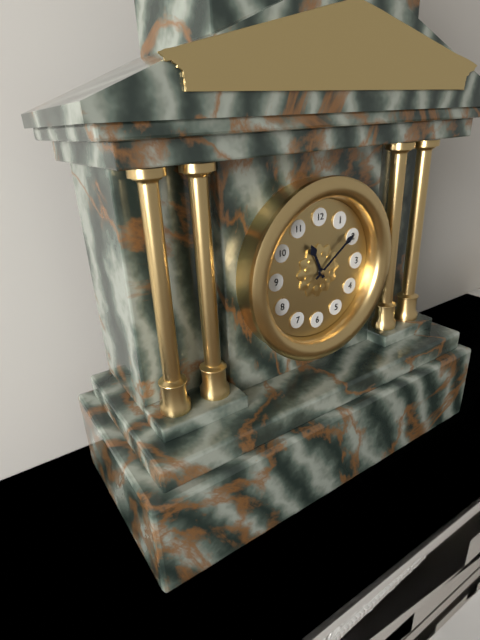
11:09
